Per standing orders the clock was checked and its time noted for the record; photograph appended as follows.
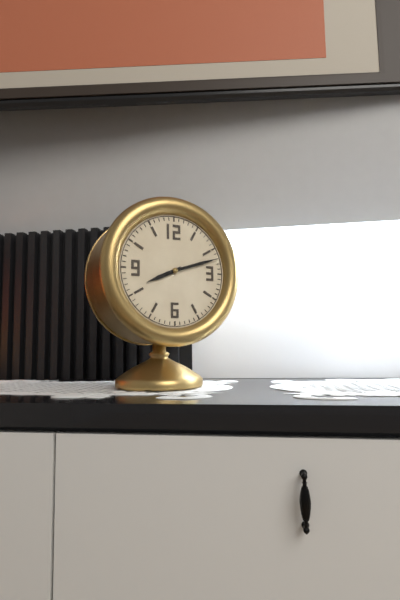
8:12
